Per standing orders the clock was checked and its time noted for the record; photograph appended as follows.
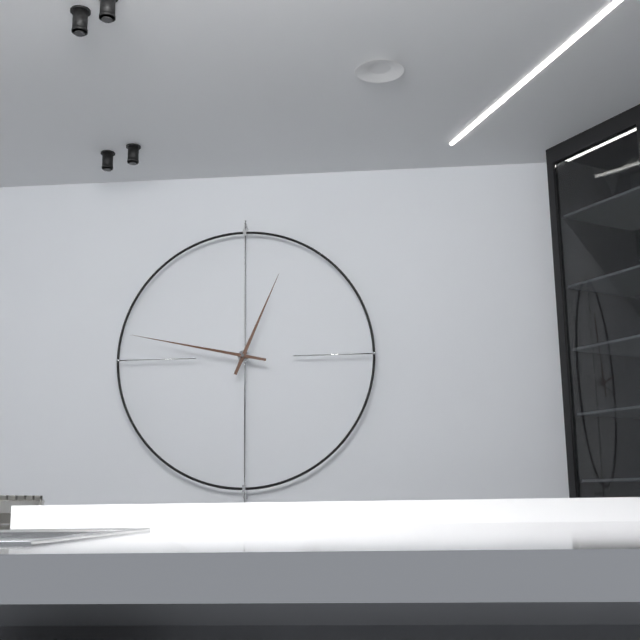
12:47
